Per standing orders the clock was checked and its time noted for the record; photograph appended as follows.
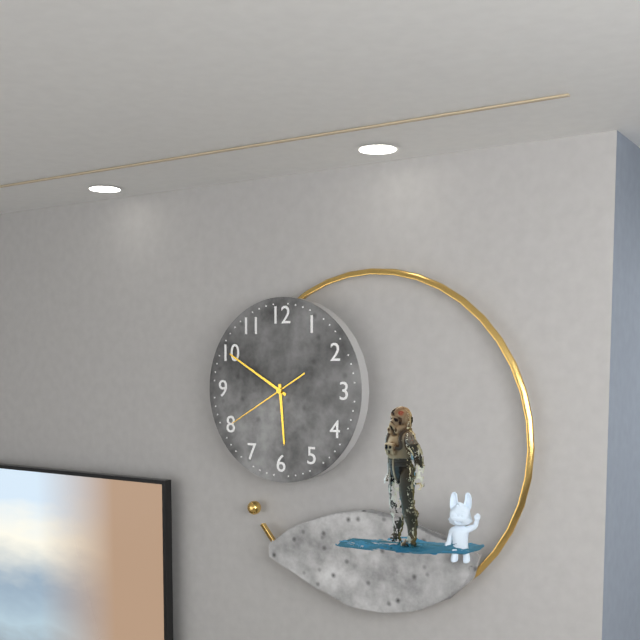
5:50:40
